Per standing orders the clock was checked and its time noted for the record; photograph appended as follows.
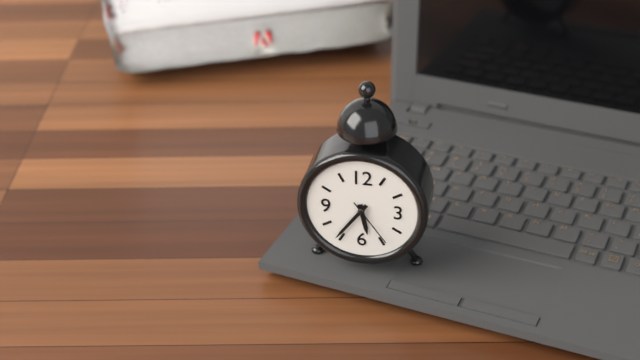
5:36:24
